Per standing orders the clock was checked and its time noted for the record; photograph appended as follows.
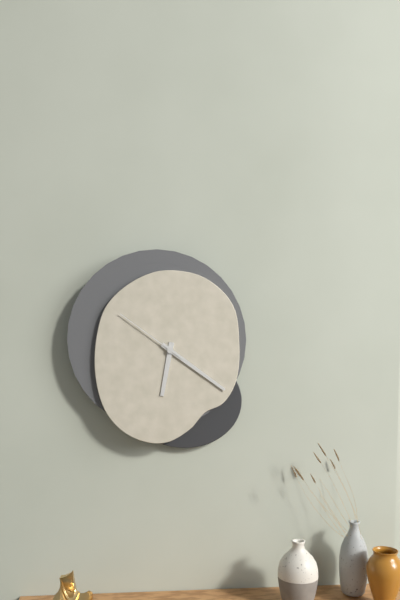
6:21:51
